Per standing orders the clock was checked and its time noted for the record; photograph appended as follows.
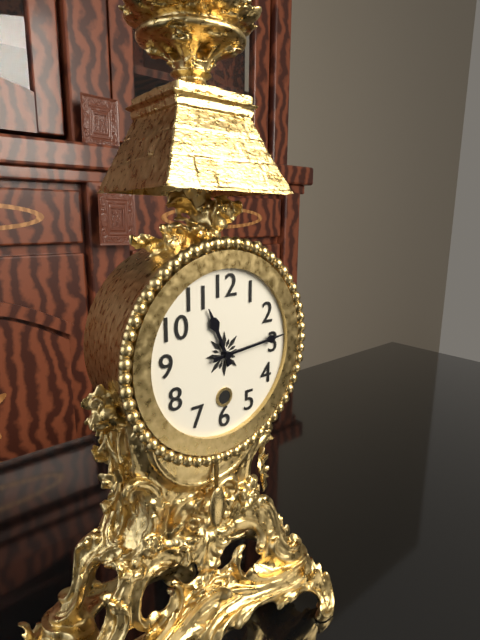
11:14
